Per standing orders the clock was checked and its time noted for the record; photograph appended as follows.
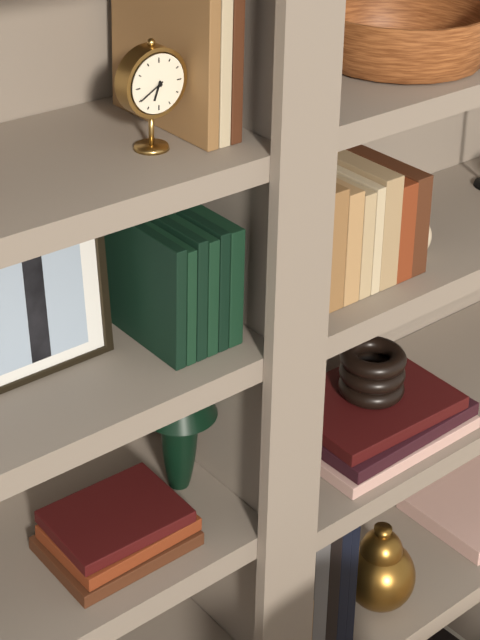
6:40
